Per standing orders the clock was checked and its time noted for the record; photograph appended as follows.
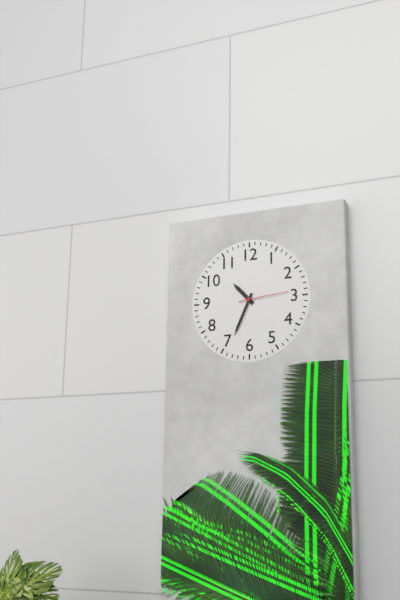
10:34:14
